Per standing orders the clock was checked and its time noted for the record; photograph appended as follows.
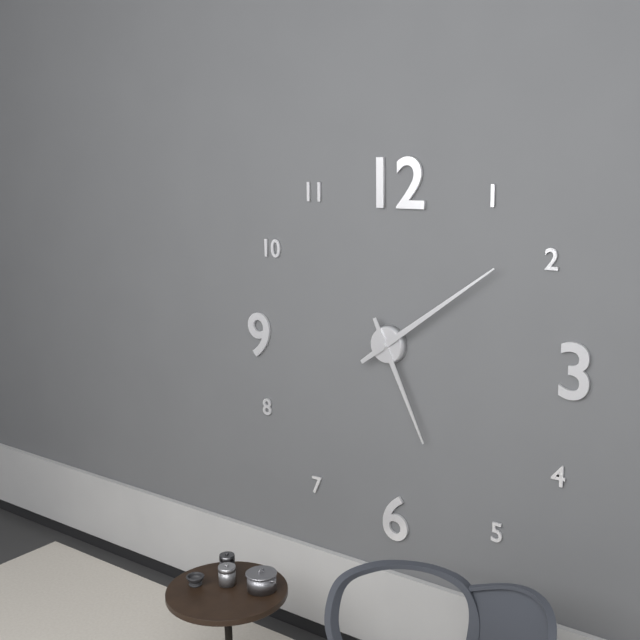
5:09
